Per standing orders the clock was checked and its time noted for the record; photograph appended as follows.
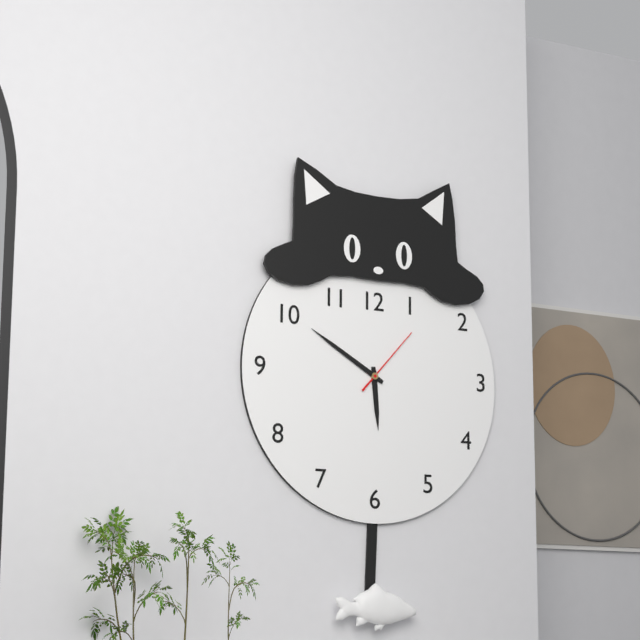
5:50:07
